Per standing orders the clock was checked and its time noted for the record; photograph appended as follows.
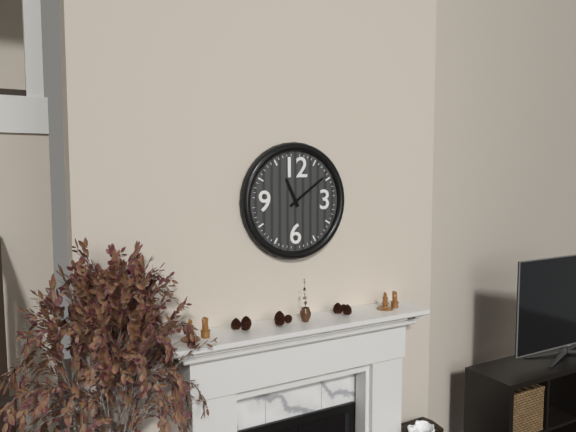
11:09
